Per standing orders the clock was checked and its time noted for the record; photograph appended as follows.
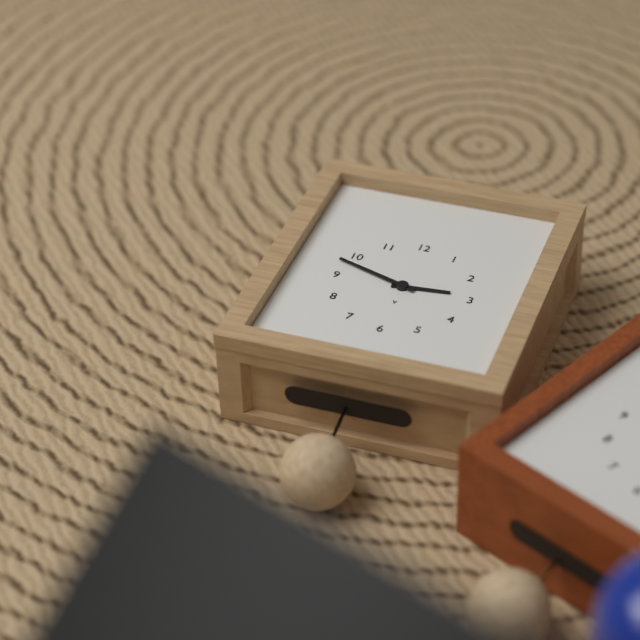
2:48
